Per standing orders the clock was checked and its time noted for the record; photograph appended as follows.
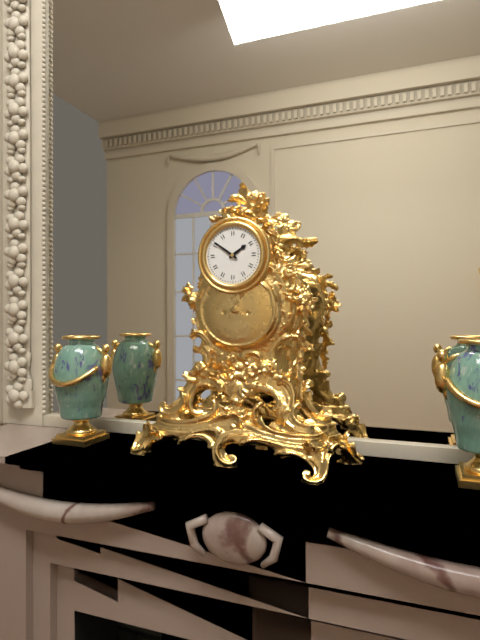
1:51
